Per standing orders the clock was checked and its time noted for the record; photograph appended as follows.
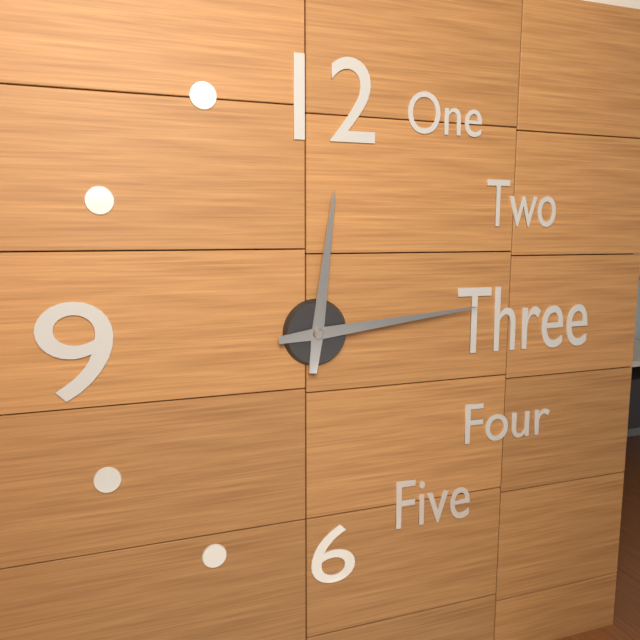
12:14
